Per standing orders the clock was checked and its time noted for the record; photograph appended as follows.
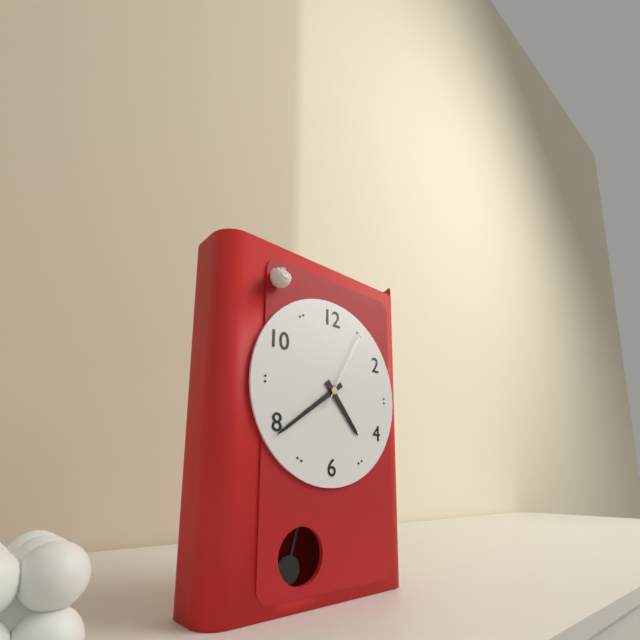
4:39:05
